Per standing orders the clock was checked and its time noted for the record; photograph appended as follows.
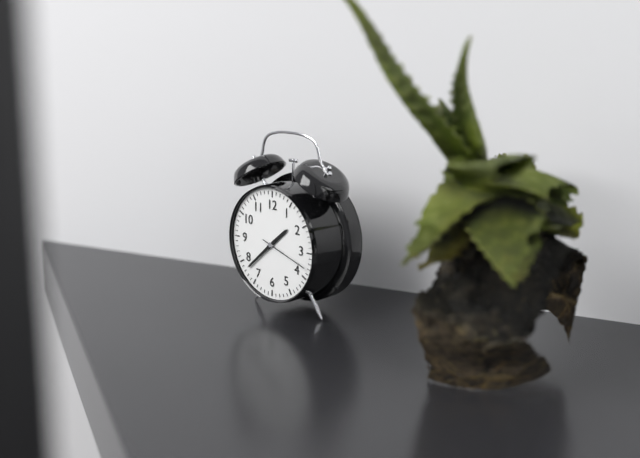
1:38:18
